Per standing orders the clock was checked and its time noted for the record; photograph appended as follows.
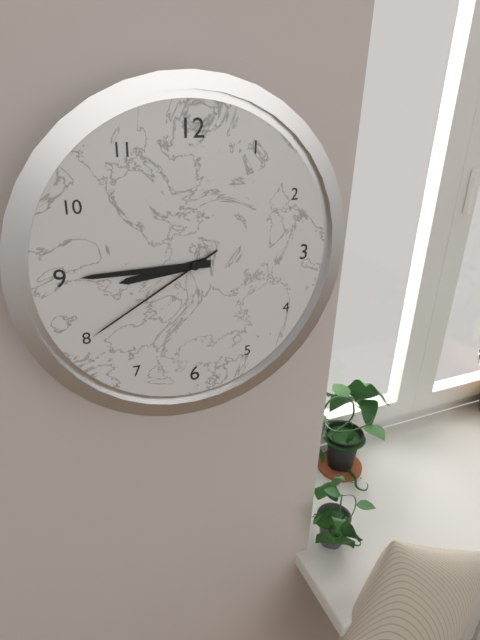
8:45:40
